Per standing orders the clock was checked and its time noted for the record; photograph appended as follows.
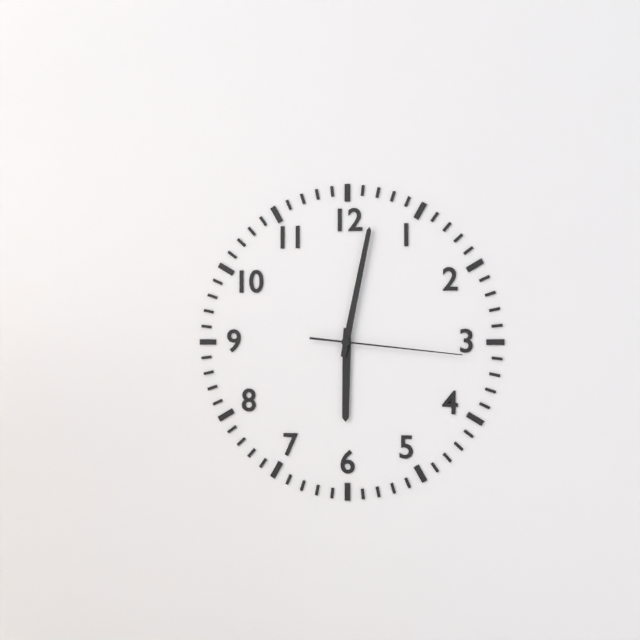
6:02:16
